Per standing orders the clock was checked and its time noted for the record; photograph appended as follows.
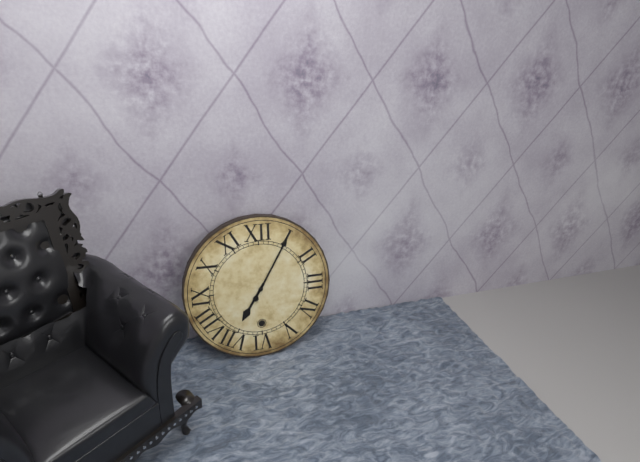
7:05
